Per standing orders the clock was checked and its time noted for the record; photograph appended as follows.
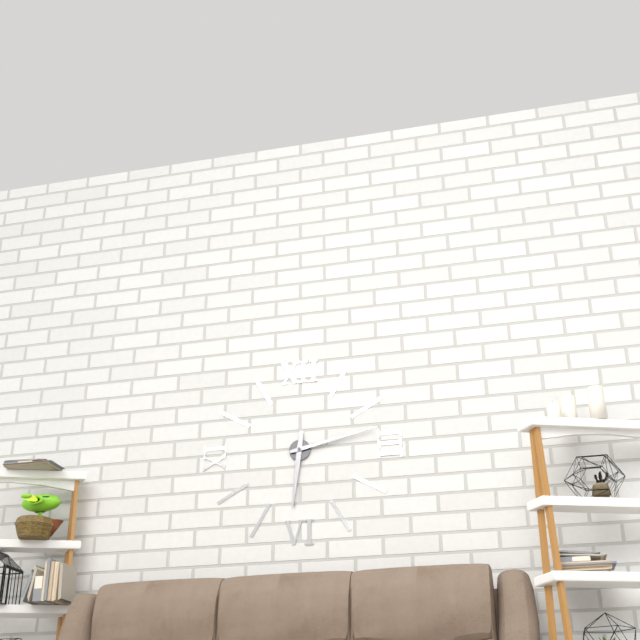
6:13
